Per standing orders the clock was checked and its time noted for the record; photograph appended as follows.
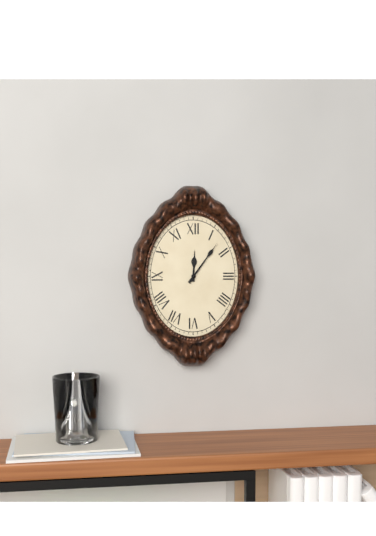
12:06
